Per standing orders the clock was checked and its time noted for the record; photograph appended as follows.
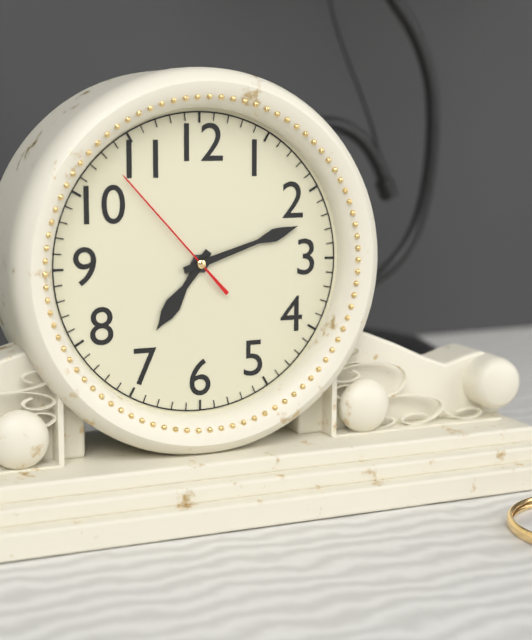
7:12:53
